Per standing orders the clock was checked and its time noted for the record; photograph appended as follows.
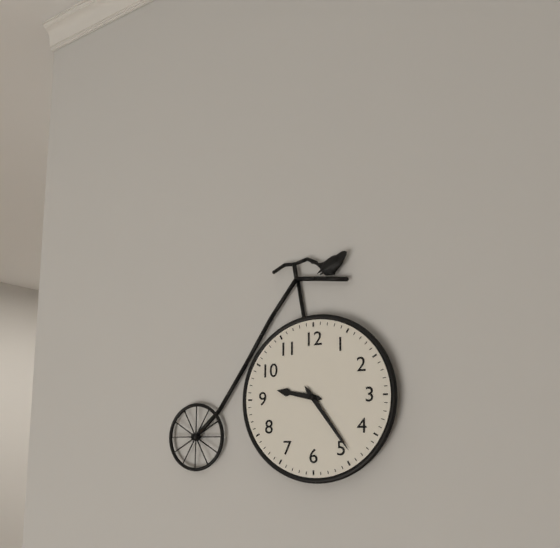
9:24
